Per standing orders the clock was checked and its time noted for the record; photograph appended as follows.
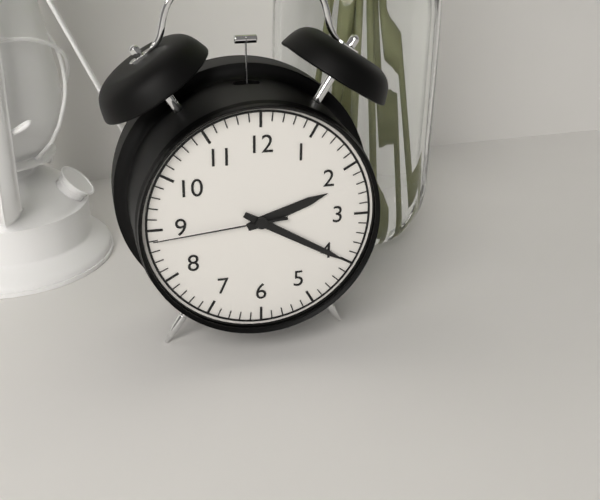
2:20:44
